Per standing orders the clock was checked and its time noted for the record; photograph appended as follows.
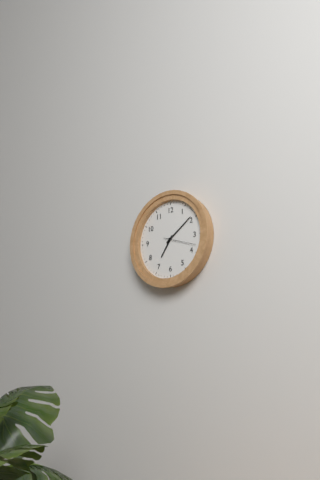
7:09
